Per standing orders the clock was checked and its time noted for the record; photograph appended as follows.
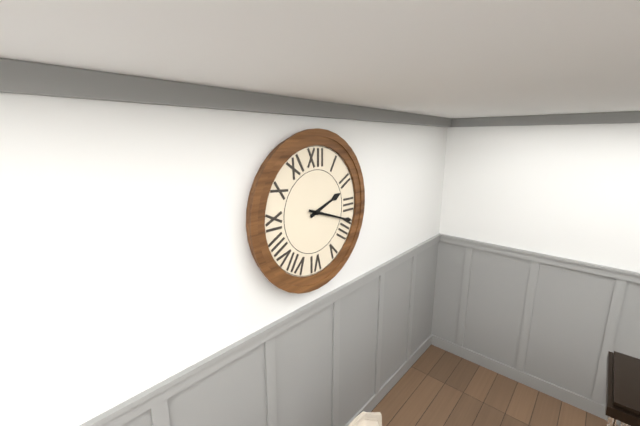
2:18
